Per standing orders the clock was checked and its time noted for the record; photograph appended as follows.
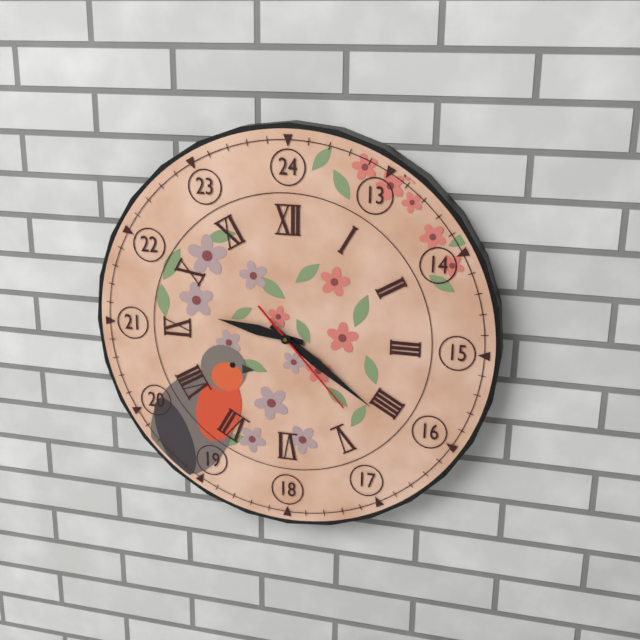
9:21:23
